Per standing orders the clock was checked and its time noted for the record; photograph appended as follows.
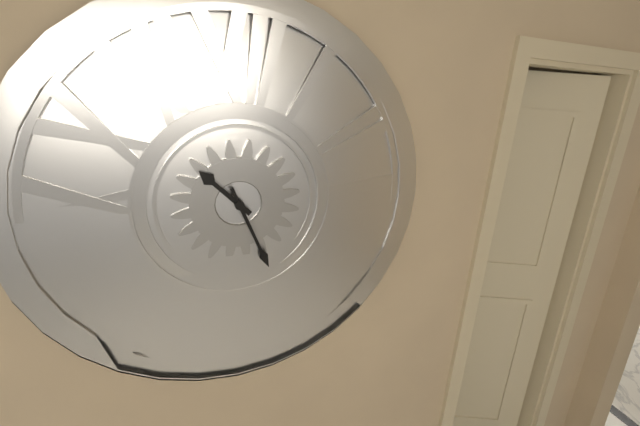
10:26
